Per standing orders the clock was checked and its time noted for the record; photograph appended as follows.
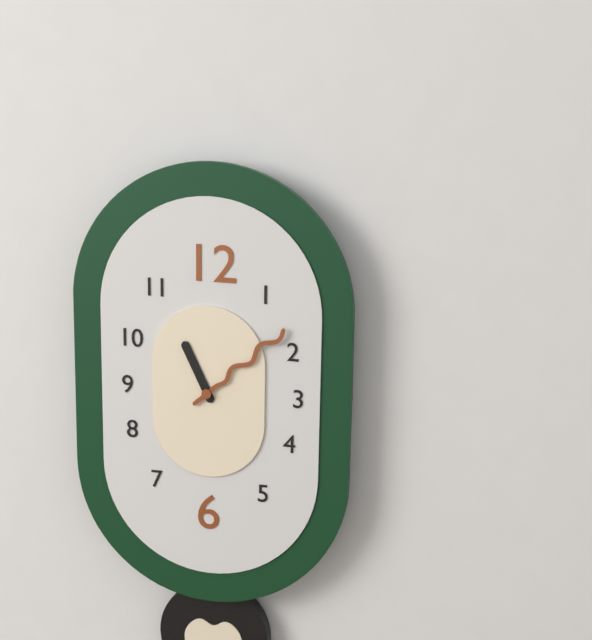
11:08
